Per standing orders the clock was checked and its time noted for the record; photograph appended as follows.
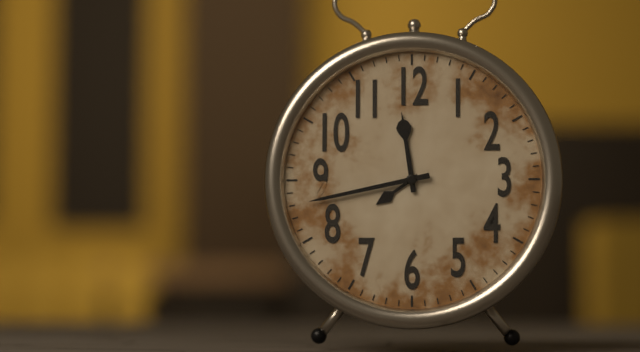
11:43
